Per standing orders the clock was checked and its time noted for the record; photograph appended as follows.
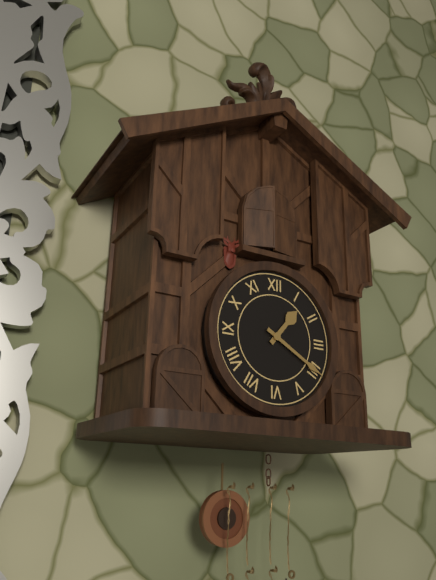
1:20
